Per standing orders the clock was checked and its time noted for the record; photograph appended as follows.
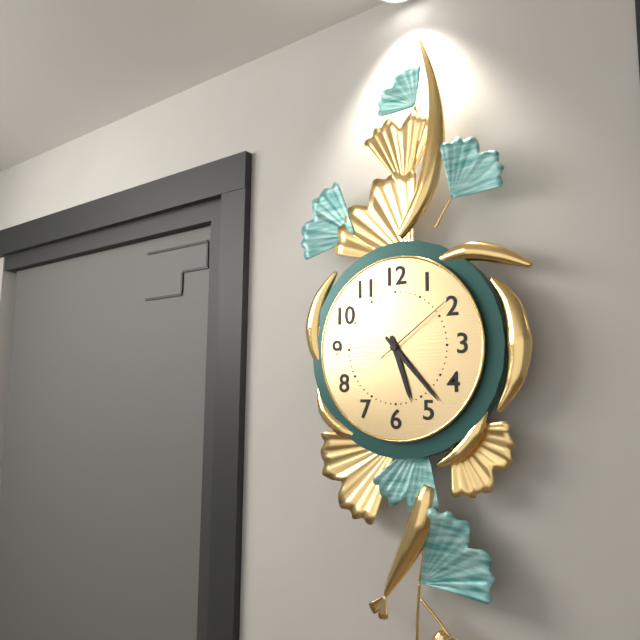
5:23:09
